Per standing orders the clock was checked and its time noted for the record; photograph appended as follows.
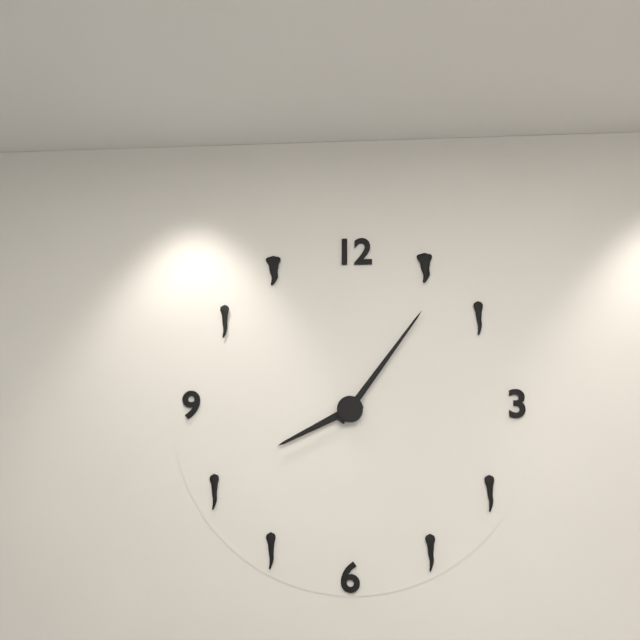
8:06
